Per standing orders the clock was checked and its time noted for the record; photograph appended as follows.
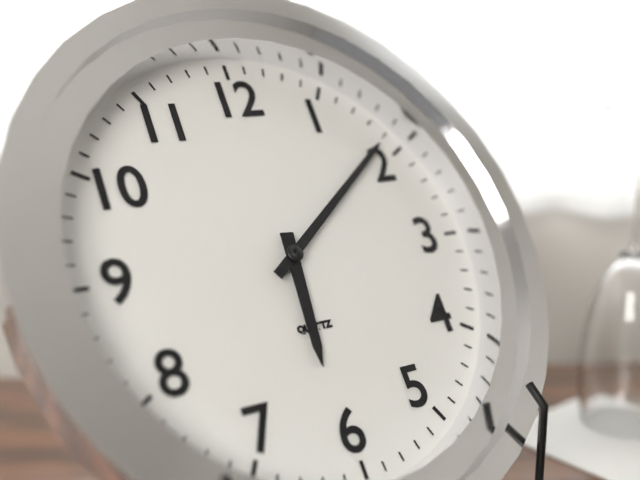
6:09
